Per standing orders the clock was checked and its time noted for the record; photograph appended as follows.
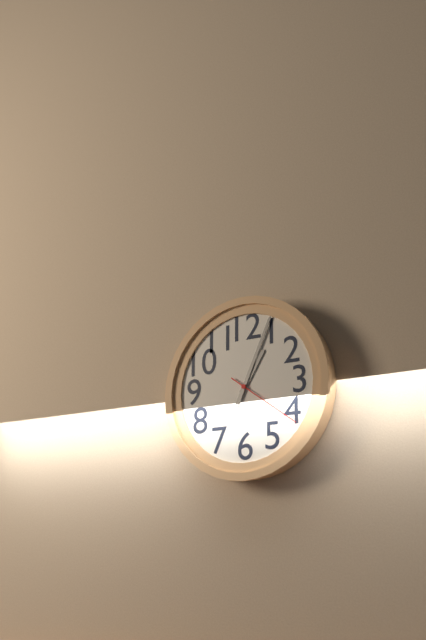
1:04:21
